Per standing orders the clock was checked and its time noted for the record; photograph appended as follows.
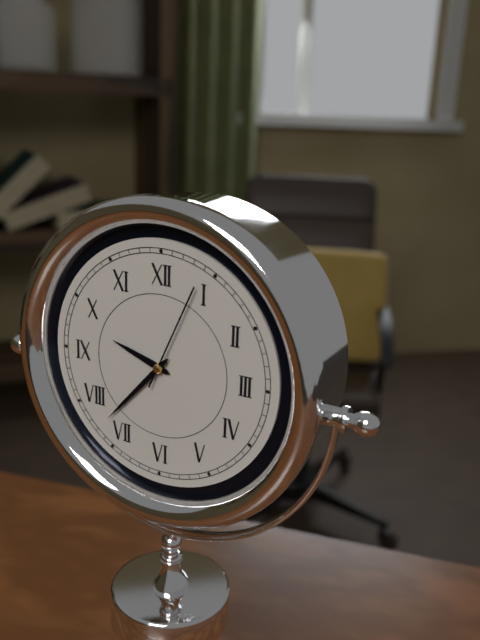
9:37:04
